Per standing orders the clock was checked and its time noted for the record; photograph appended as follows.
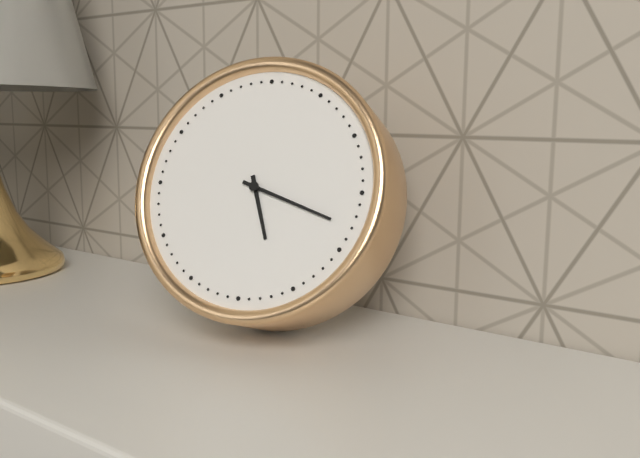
5:18
